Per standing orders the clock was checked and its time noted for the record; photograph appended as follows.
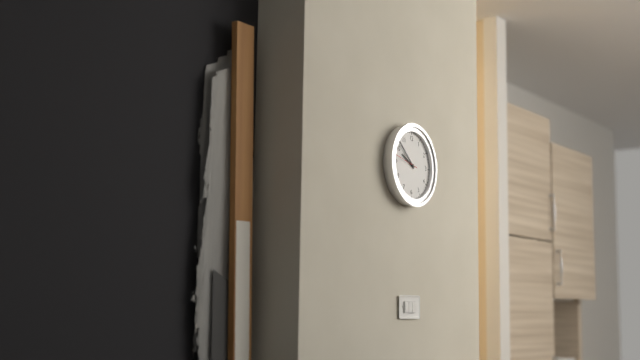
9:52
